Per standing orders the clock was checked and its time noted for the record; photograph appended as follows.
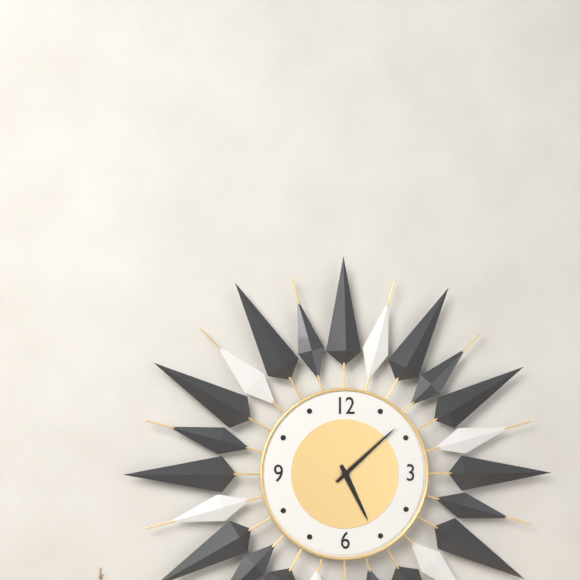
5:08
